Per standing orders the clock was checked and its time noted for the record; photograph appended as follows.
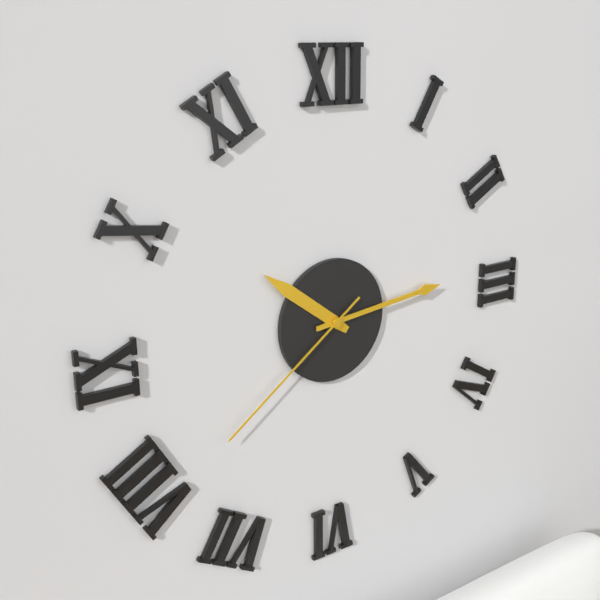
10:14:39
